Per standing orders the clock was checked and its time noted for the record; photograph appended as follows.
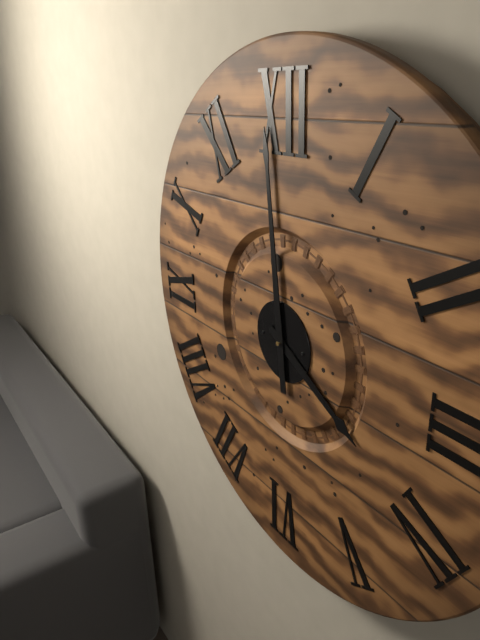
3:59
